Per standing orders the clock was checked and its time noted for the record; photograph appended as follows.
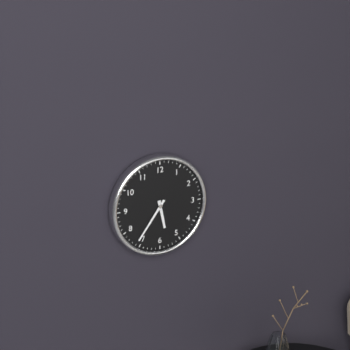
5:36
